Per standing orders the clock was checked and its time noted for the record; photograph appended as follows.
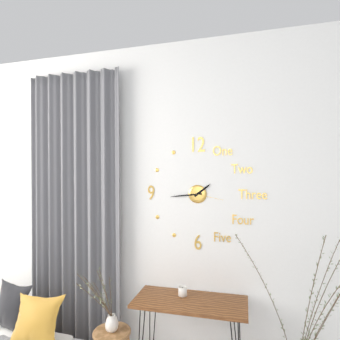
1:44
